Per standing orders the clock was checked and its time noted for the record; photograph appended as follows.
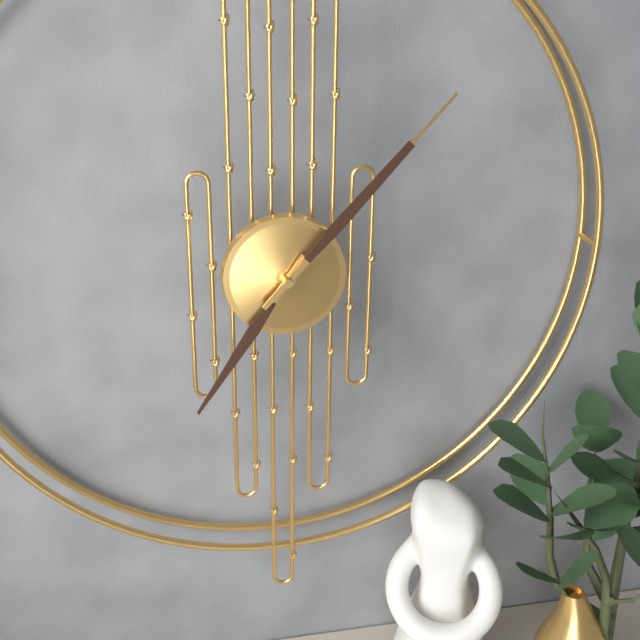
7:07
